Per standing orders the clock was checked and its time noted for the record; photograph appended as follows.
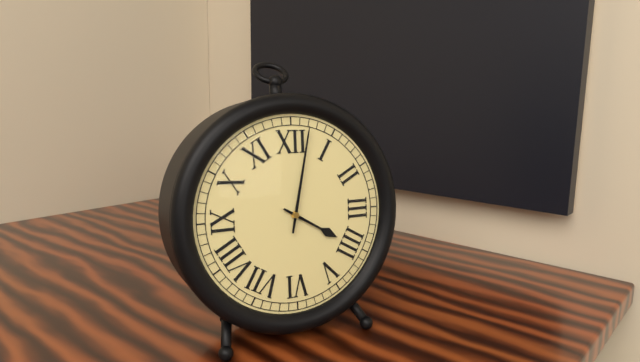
4:02
